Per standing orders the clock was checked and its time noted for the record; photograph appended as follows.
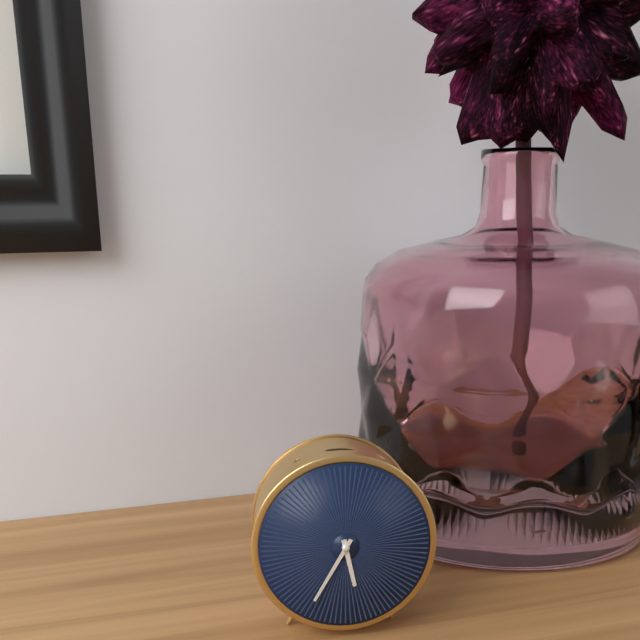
5:35
